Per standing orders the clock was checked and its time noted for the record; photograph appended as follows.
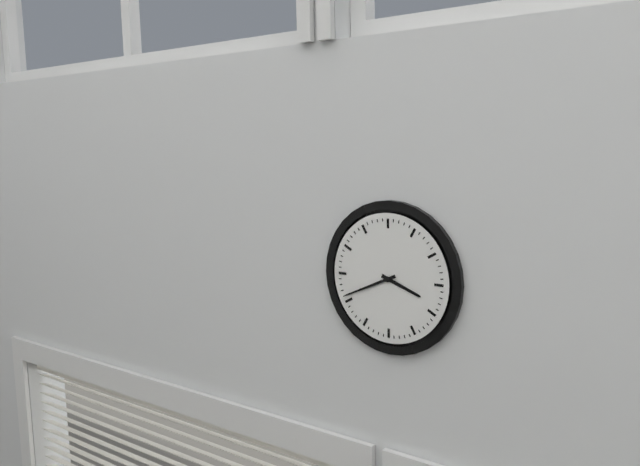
3:41
